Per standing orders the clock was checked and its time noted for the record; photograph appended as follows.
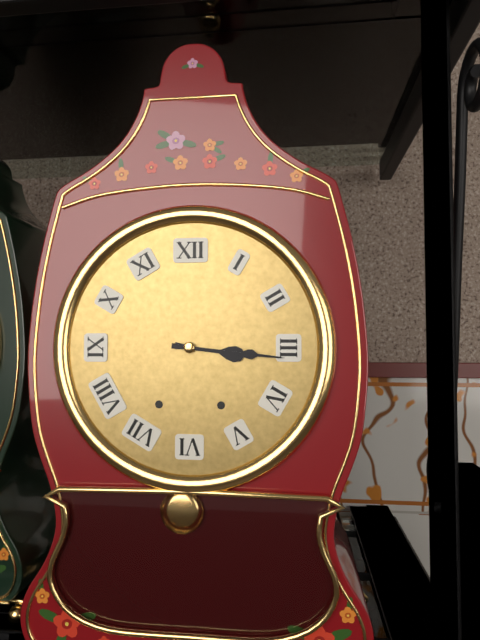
3:16
